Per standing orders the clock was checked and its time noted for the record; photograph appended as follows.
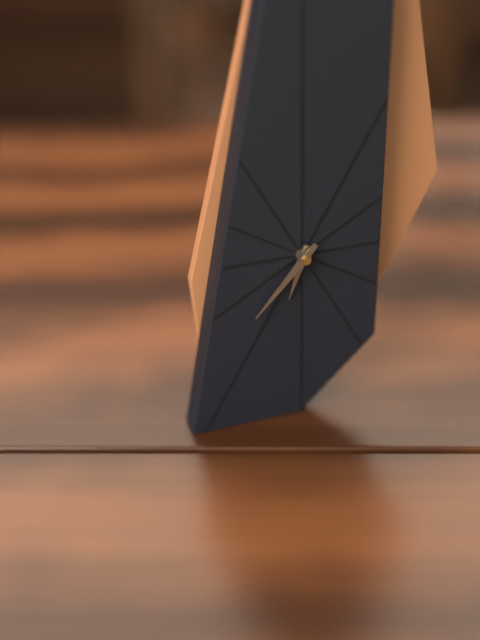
6:37
